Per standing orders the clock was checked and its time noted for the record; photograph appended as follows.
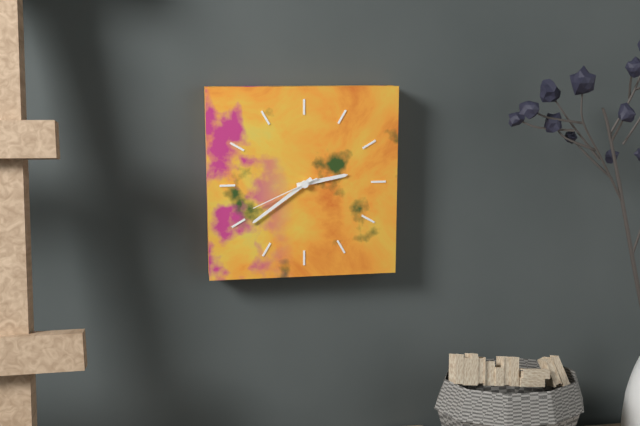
2:39:41
